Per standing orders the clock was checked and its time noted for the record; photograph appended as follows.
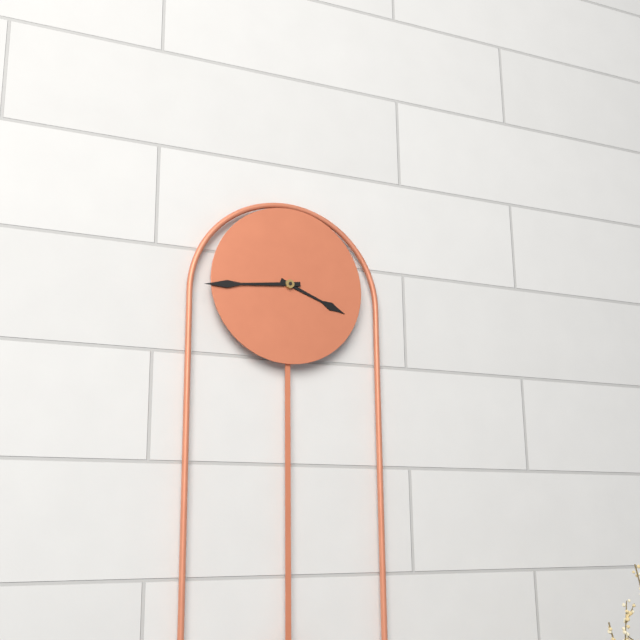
3:44
